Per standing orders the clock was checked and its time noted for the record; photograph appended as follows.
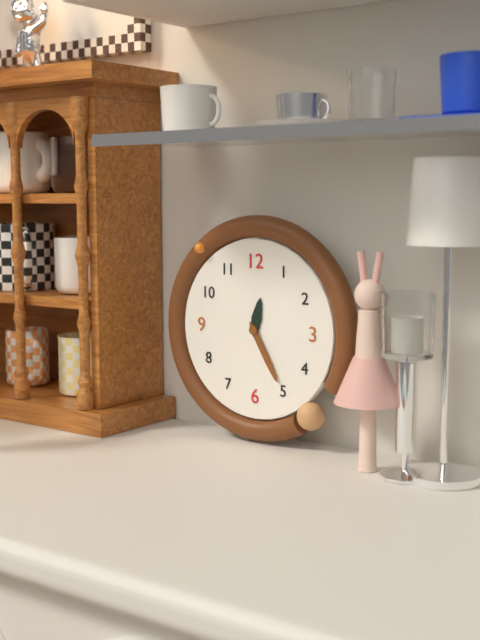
12:25
